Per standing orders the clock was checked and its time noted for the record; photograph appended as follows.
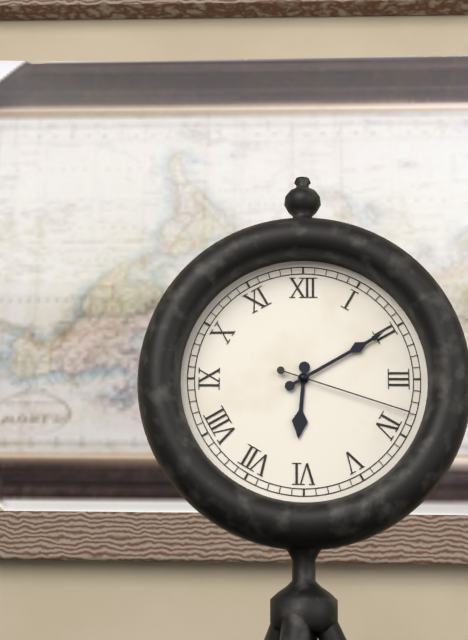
6:10:18
